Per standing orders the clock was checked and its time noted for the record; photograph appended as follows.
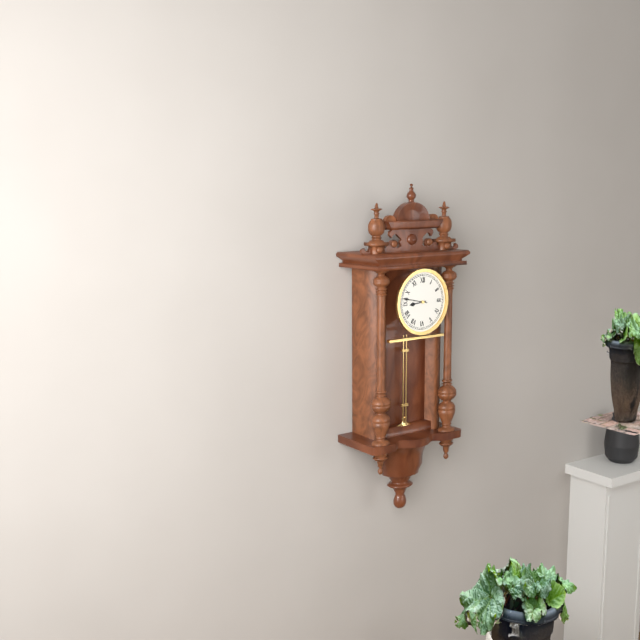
8:47
